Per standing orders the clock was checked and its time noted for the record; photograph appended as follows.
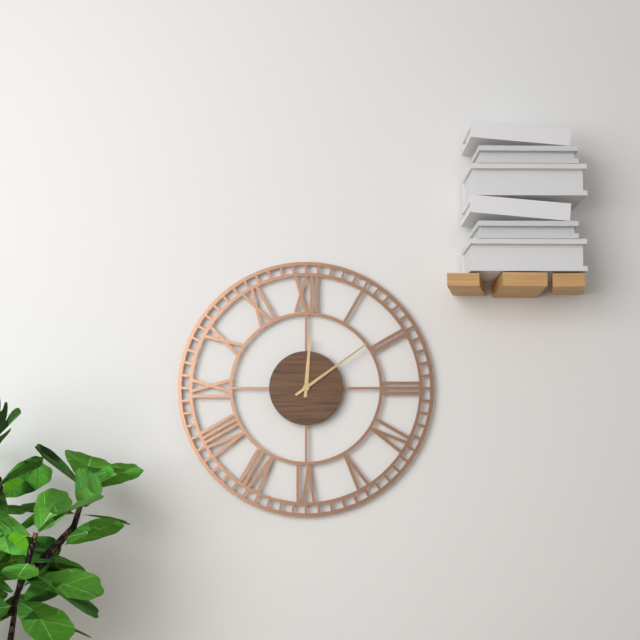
12:09
